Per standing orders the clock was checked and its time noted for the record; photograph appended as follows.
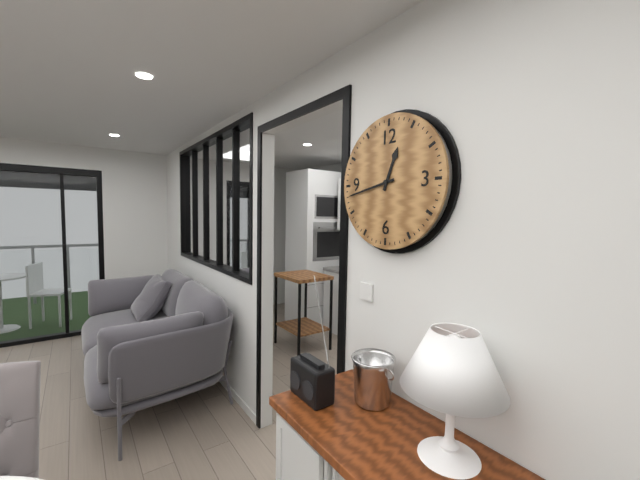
12:43
